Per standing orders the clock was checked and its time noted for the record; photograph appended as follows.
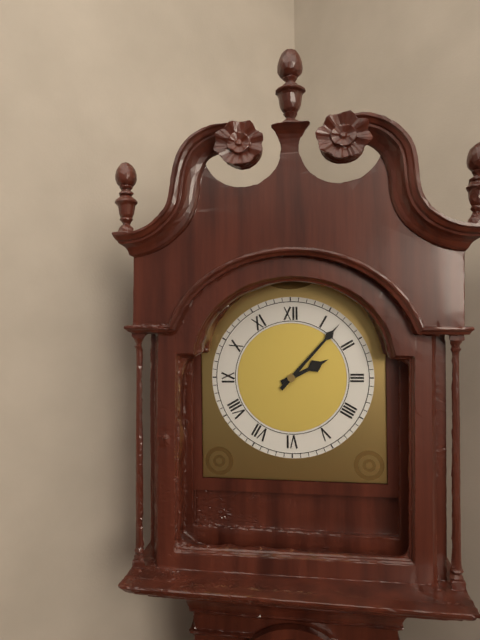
2:07
